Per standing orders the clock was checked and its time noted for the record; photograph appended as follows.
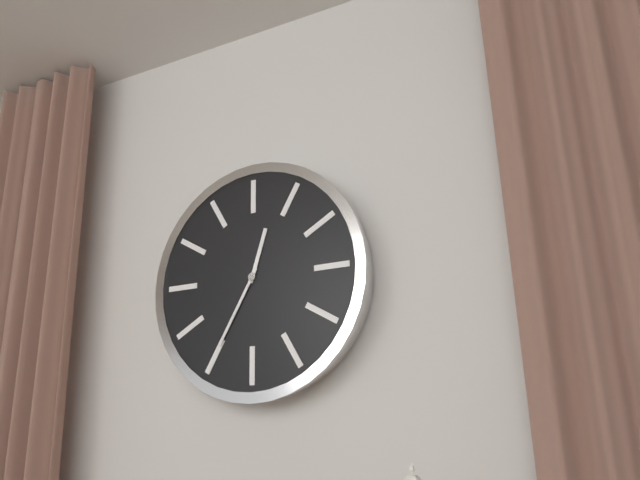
12:35
